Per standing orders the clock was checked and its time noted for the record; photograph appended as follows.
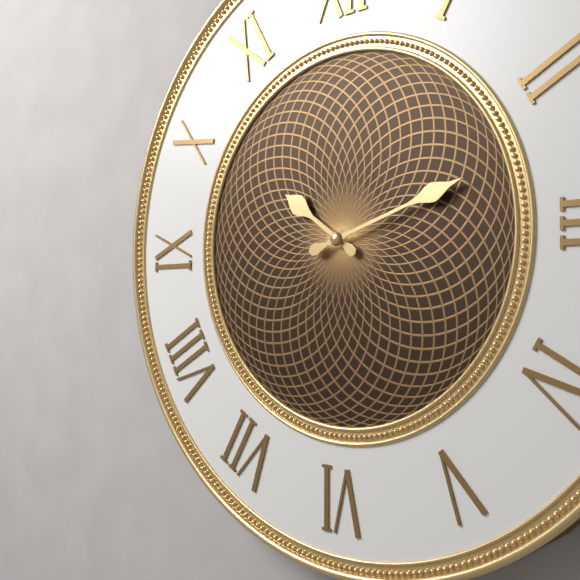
10:12
